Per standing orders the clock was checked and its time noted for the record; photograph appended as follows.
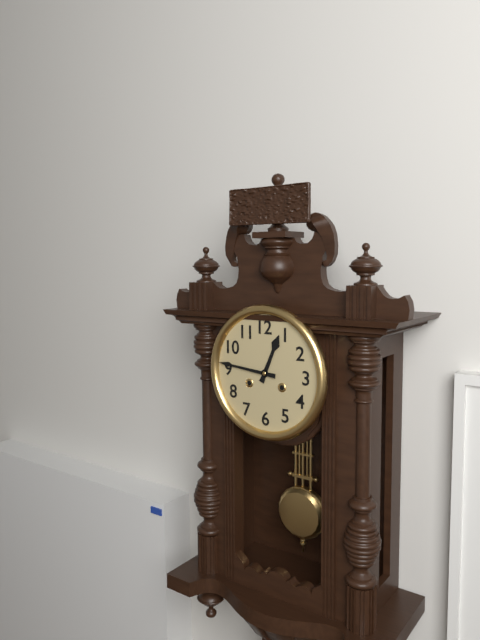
12:46
